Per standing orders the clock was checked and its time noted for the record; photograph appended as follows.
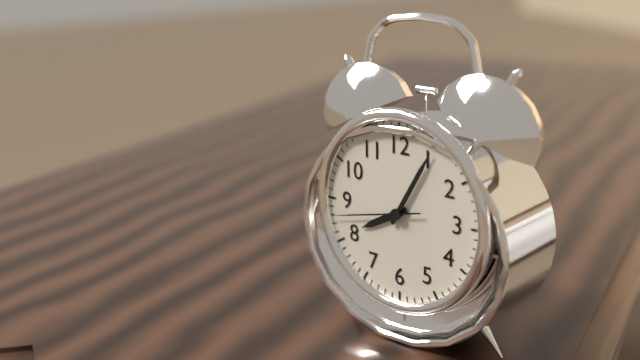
8:05:43
